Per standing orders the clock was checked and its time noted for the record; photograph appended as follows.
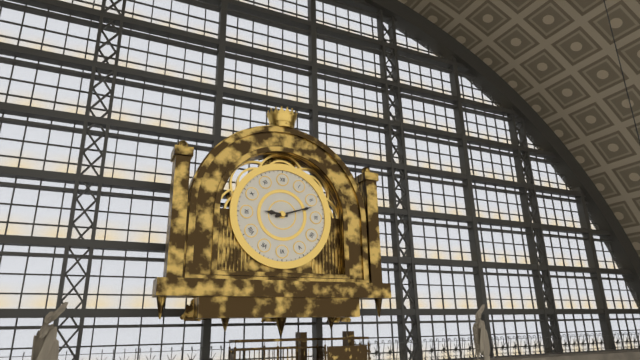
9:12
